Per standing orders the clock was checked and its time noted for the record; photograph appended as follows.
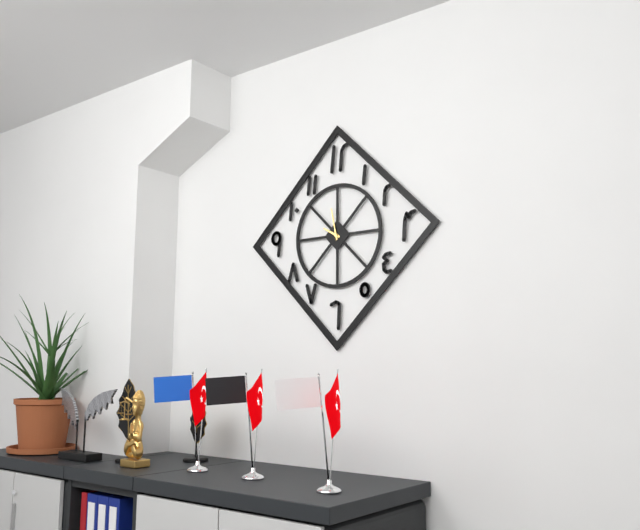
9:58
